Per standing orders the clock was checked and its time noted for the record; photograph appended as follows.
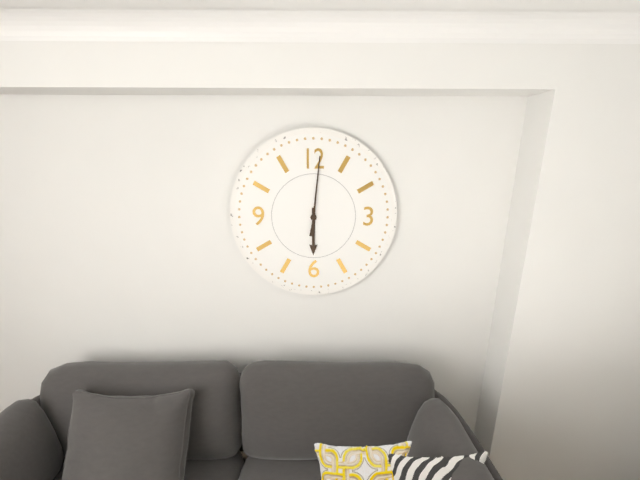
6:01
